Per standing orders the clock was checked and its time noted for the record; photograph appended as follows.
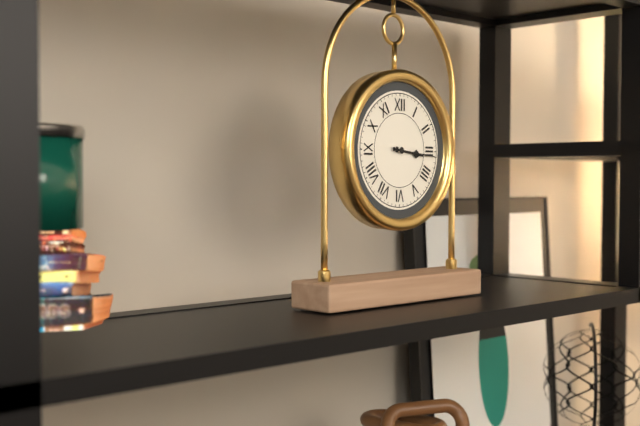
3:16
